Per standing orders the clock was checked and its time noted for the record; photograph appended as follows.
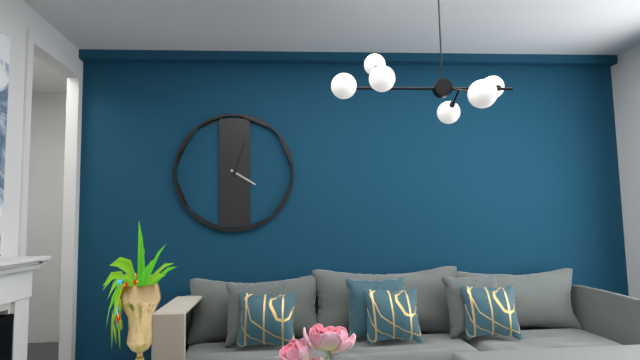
4:03
